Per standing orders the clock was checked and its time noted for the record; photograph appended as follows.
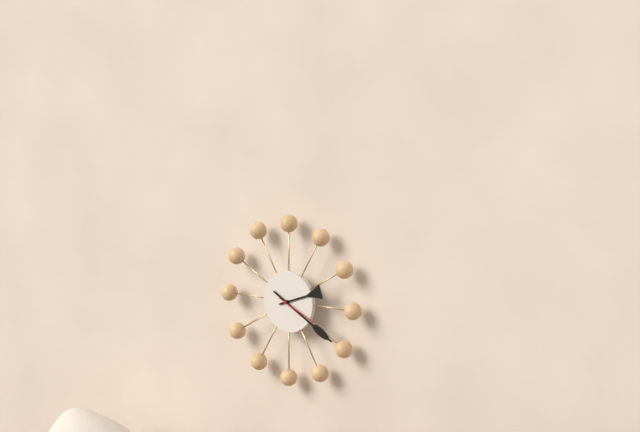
2:20
